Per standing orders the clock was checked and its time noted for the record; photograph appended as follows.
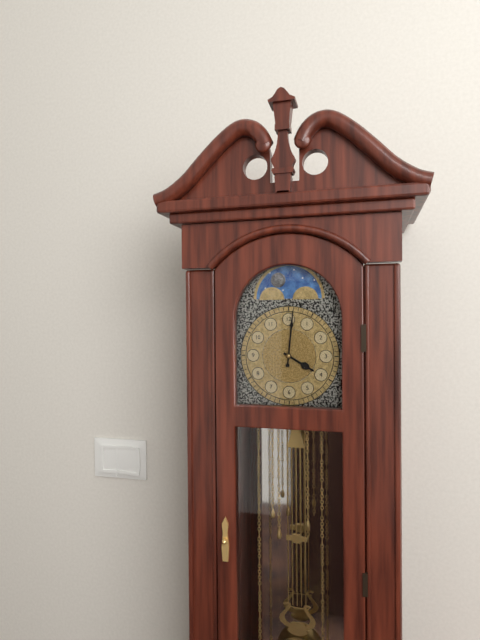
4:01
